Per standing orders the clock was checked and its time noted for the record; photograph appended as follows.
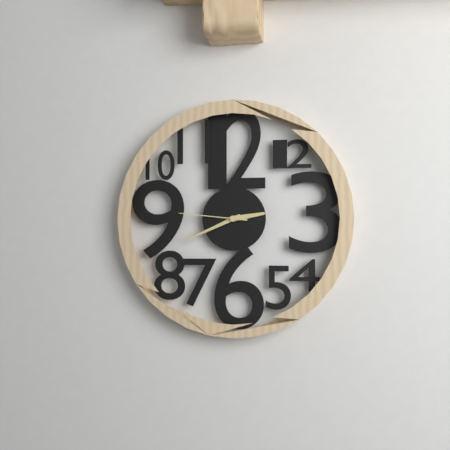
2:41:46
